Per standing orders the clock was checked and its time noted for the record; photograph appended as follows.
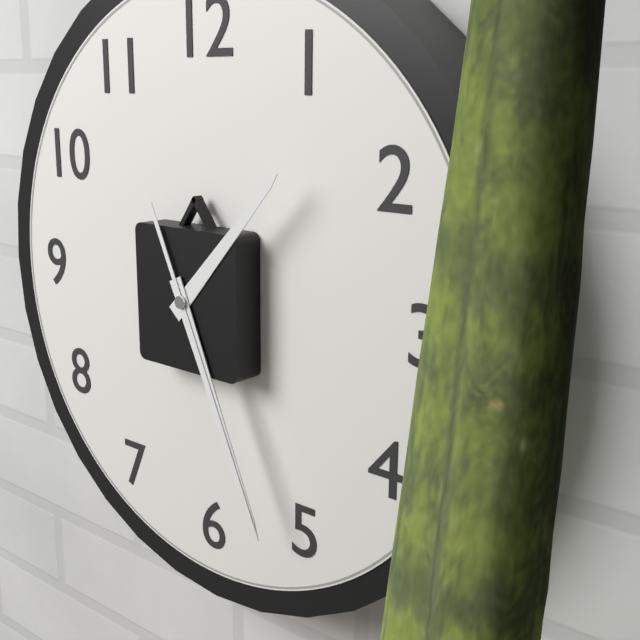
1:26:26
